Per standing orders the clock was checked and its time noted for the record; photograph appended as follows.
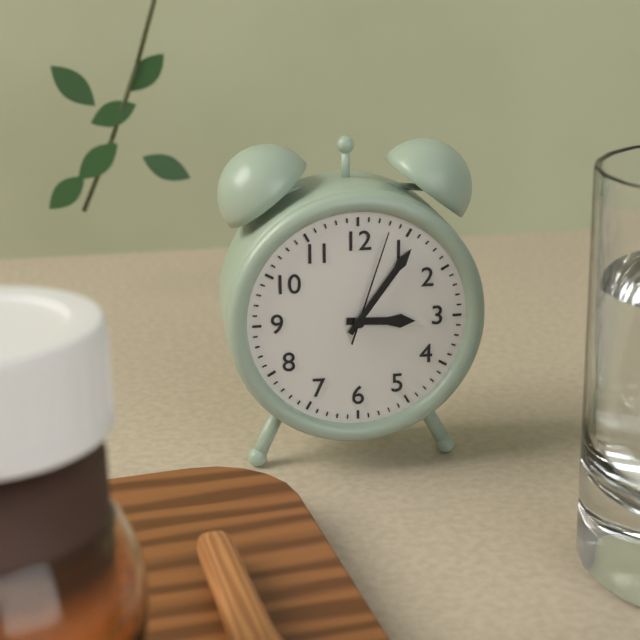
3:06:03
